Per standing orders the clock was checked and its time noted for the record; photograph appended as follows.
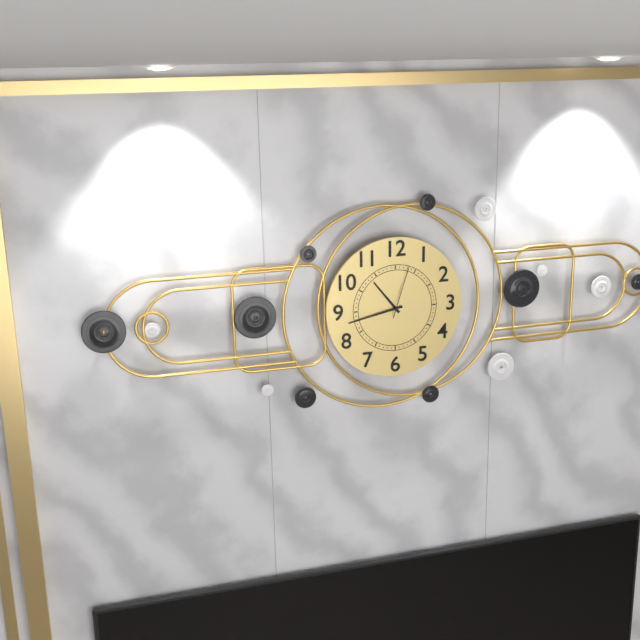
10:43:03
